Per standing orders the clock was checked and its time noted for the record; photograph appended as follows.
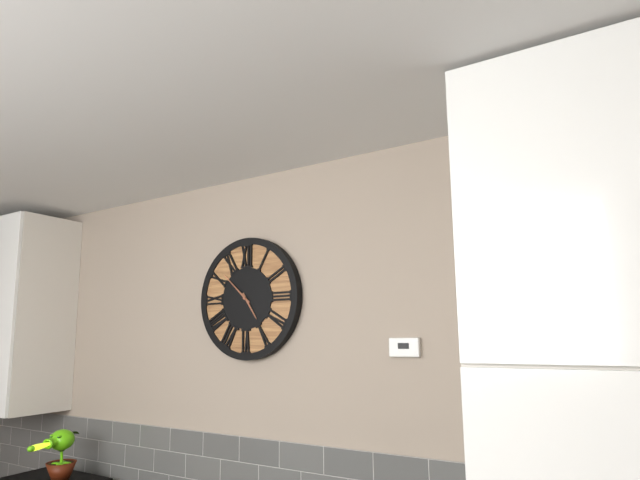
4:52
